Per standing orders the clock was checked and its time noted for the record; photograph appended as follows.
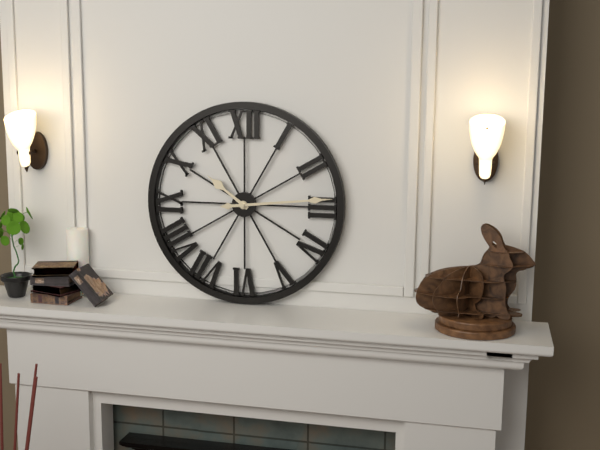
10:14
